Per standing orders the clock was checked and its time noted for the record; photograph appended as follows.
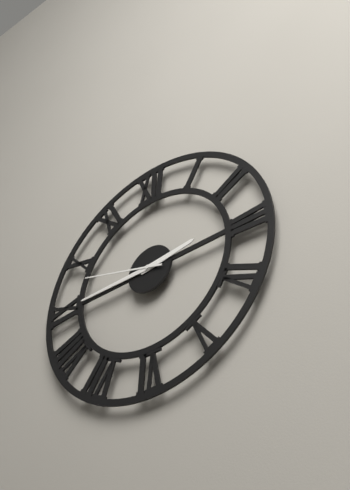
2:45:48
